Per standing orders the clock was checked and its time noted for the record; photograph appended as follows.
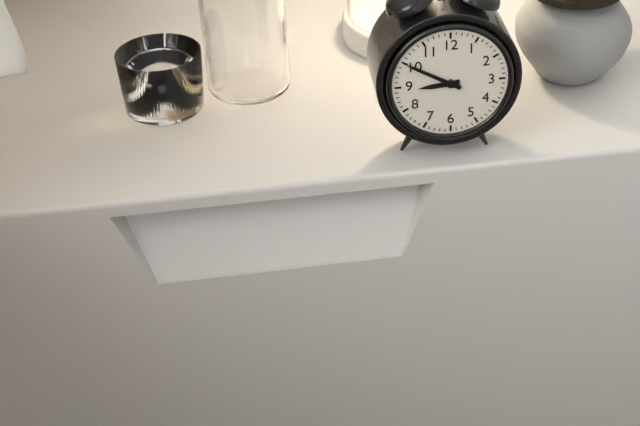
8:50
